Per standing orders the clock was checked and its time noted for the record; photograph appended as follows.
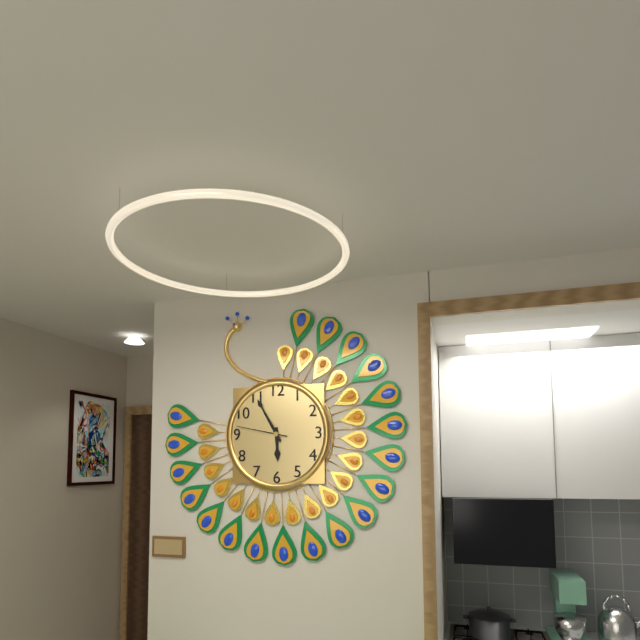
5:55:47
